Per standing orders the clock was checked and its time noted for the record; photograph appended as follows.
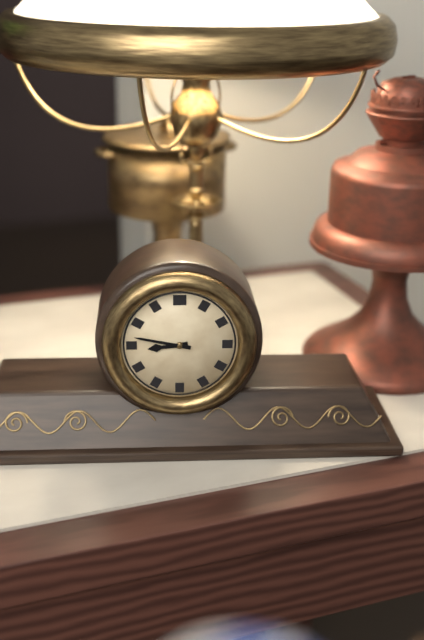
8:47
